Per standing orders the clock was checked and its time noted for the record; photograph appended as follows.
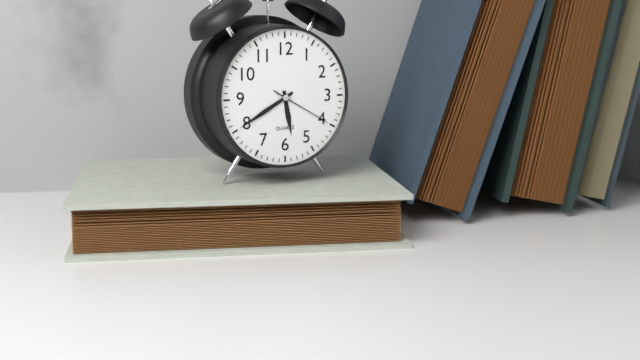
5:40:20
